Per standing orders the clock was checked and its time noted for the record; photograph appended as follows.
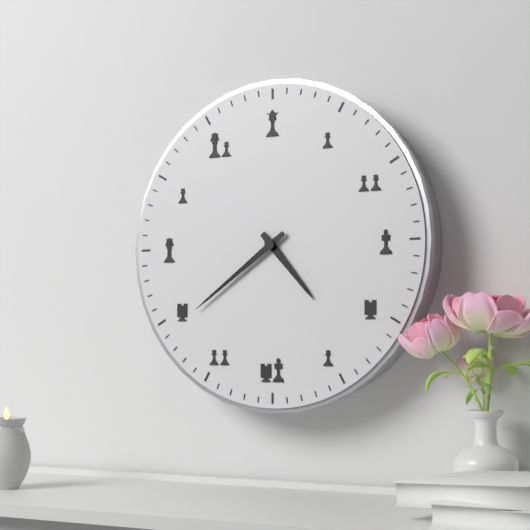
4:39
